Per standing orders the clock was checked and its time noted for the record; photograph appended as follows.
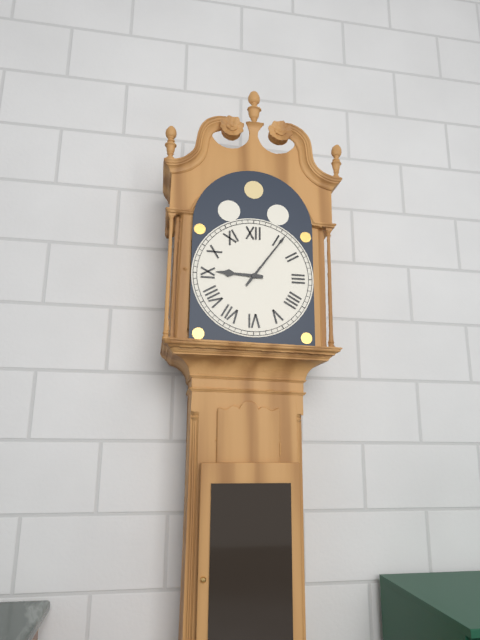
9:06
